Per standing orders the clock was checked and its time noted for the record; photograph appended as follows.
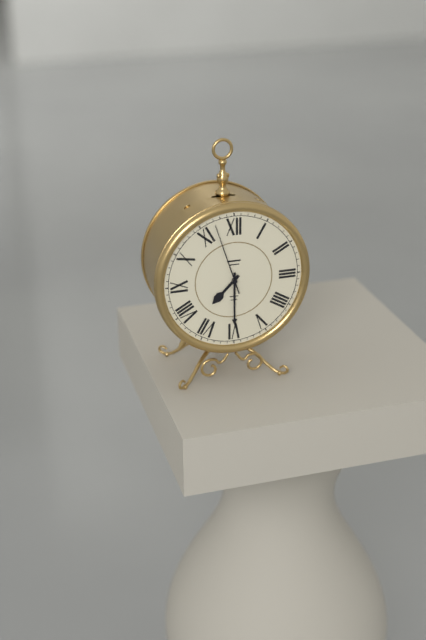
7:30:57
